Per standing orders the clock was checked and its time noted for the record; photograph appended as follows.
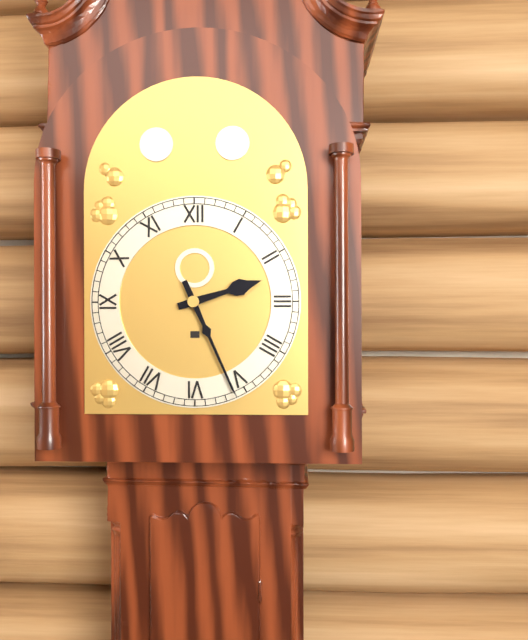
2:26
